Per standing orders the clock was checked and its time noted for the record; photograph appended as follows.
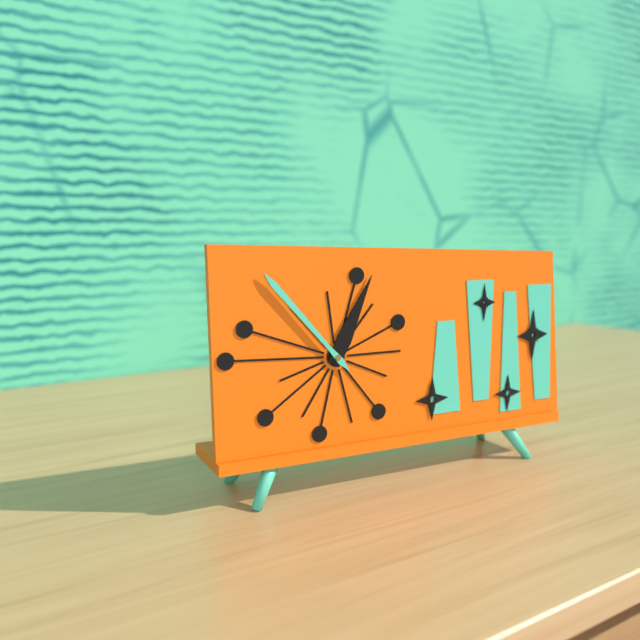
12:53
